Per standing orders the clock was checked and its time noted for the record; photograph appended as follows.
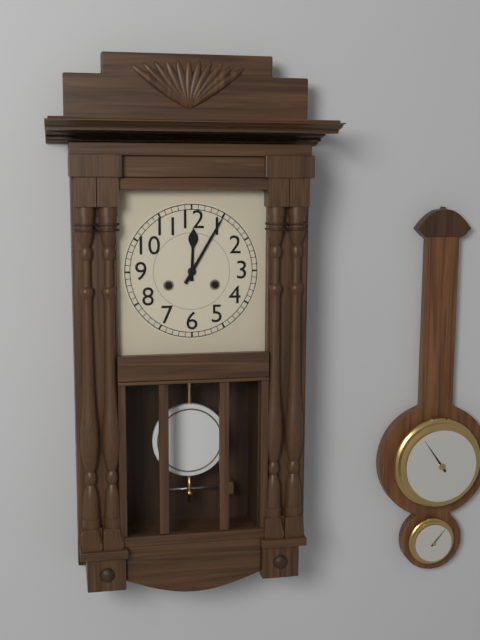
12:05
